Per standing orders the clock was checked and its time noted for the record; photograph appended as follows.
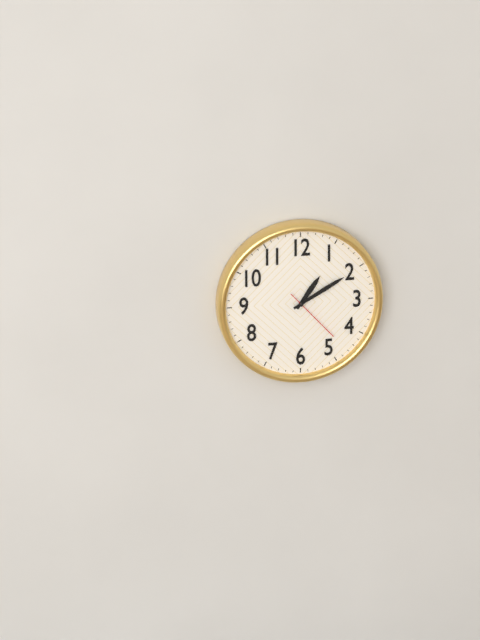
1:10:23
